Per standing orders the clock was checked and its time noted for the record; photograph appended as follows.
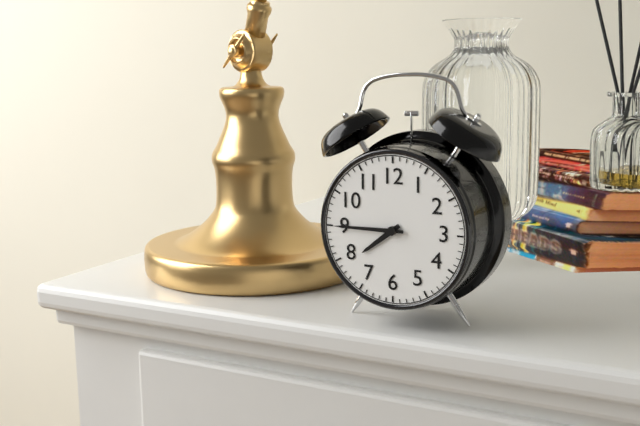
7:45
